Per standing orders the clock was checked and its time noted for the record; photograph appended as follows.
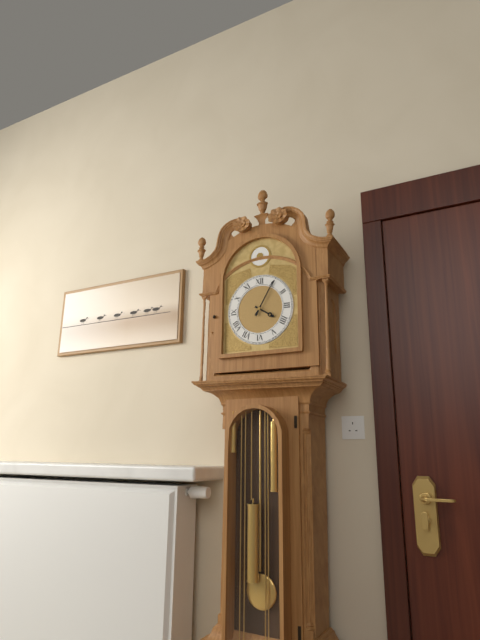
4:05
